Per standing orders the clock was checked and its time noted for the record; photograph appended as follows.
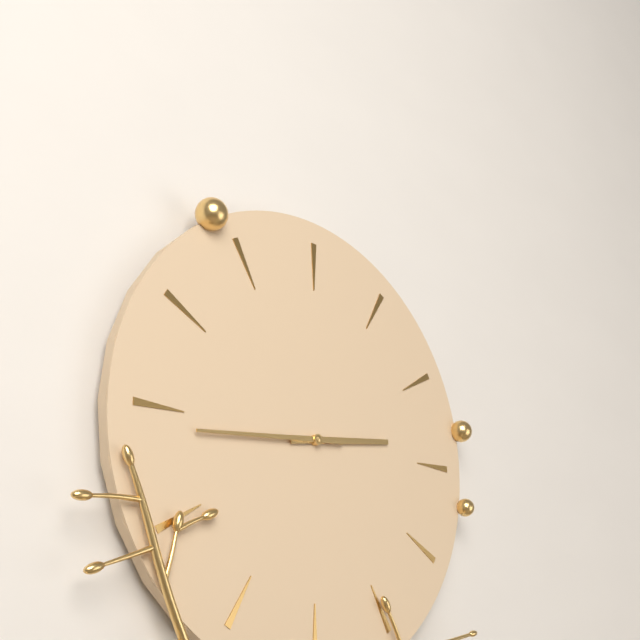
2:44
